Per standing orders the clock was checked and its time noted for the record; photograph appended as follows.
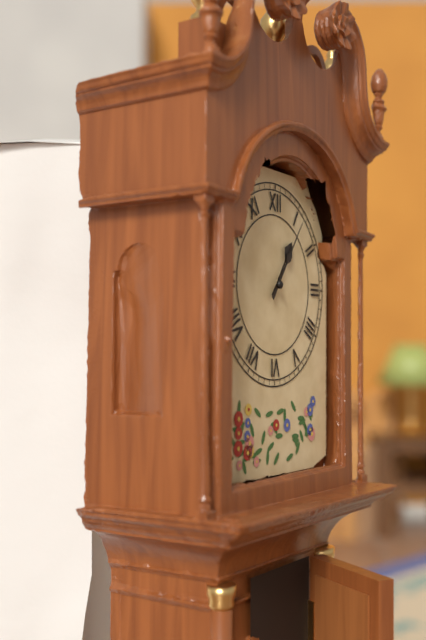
1:06
